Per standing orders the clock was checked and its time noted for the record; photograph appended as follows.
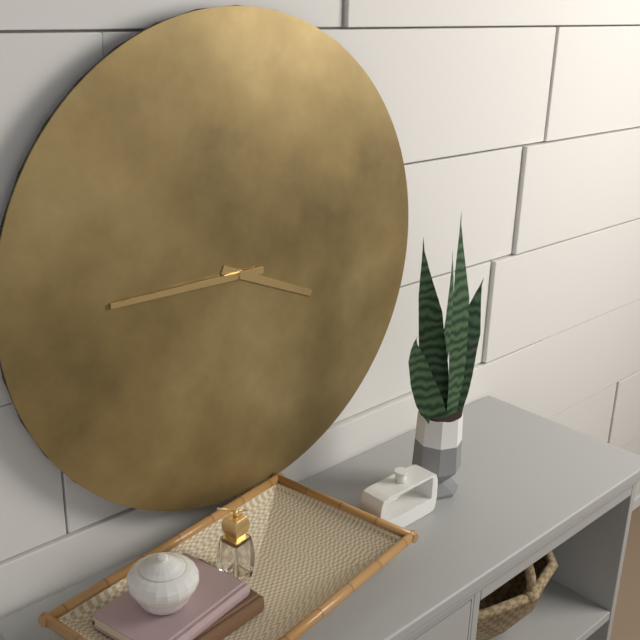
3:45
